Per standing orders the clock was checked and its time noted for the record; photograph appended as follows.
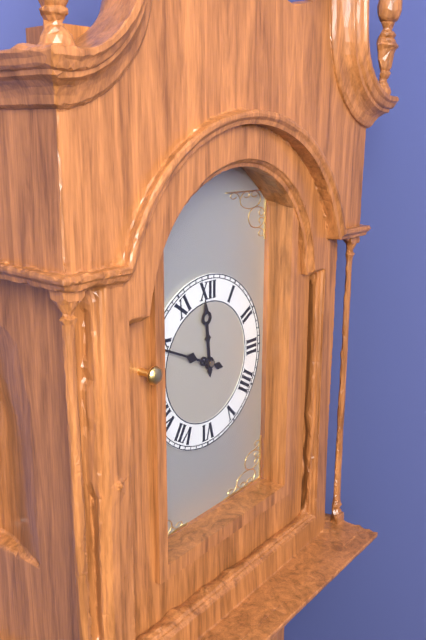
11:49
